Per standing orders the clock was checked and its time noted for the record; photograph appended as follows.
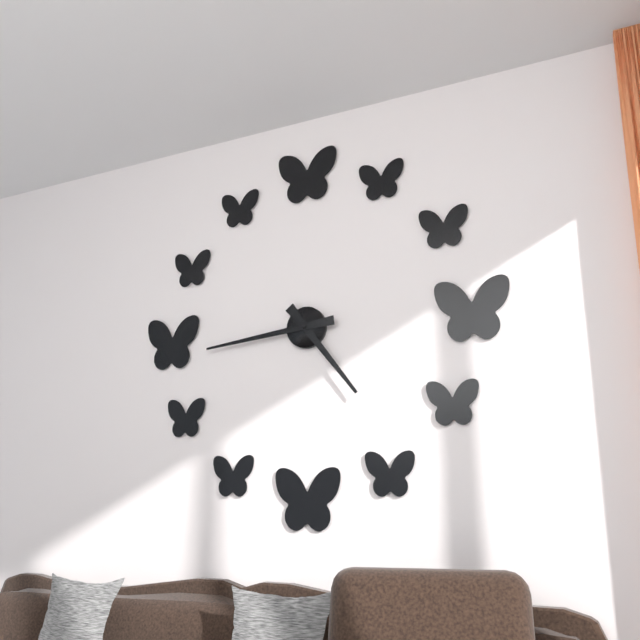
4:44
